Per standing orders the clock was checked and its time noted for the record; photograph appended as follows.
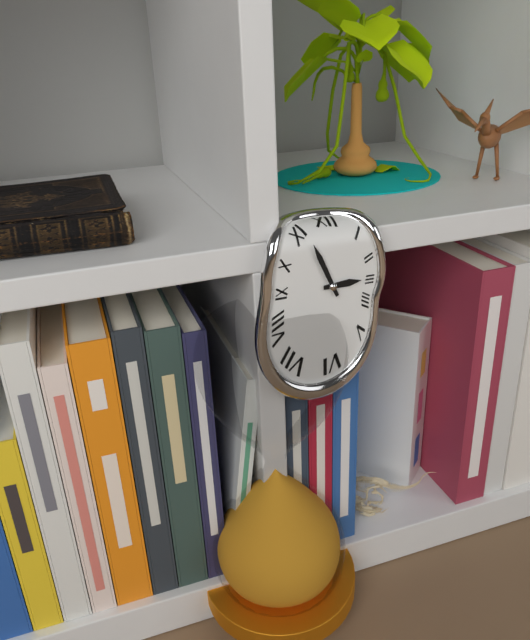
2:56
